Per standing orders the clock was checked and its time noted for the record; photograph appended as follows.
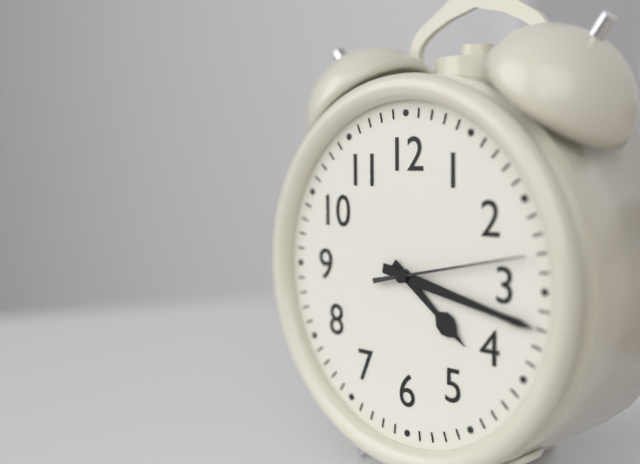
4:17:13
